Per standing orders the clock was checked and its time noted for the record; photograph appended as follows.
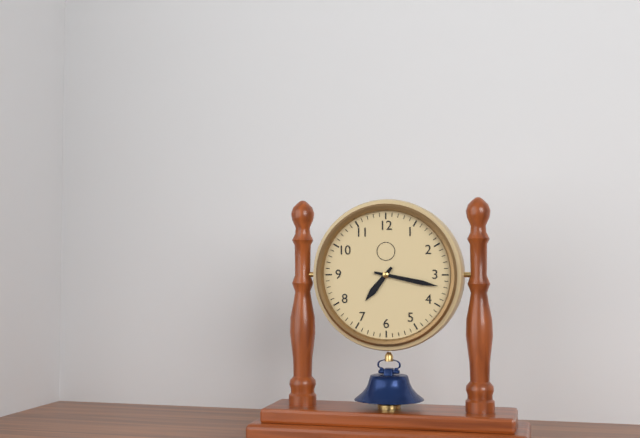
7:17
